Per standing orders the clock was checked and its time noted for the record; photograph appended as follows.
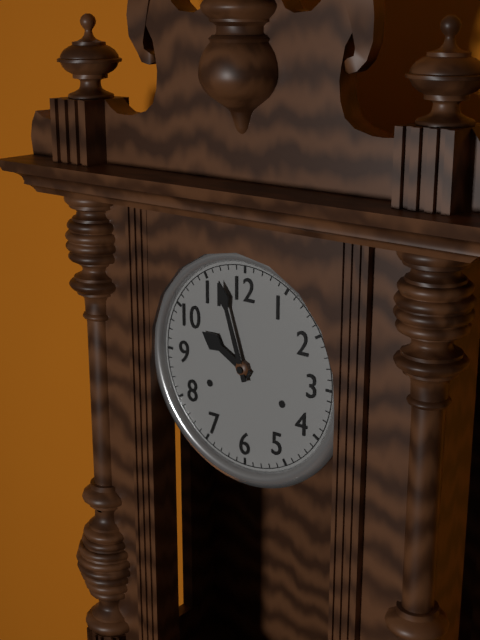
9:57
